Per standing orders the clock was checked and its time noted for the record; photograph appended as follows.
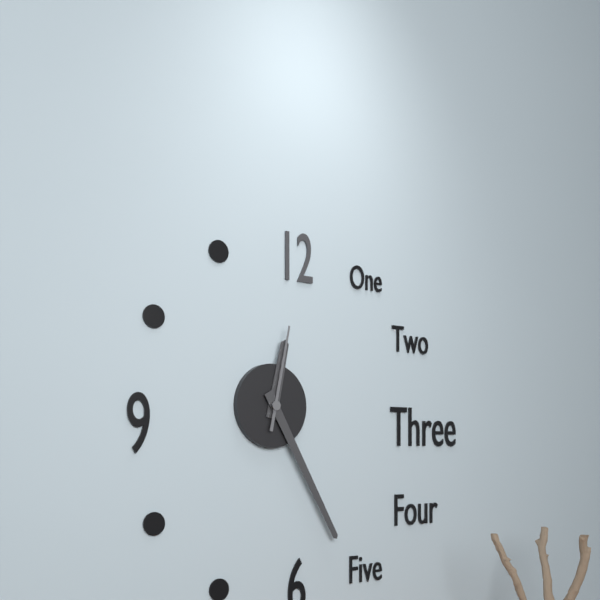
12:25:02
